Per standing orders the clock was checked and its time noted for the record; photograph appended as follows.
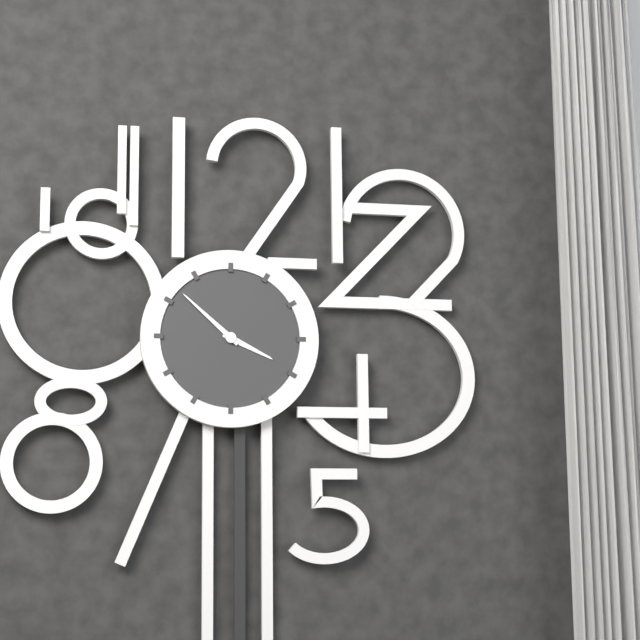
3:52
